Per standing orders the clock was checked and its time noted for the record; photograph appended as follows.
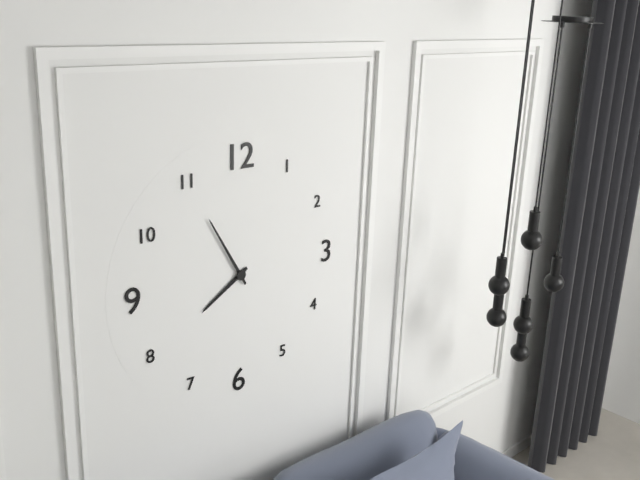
7:55
